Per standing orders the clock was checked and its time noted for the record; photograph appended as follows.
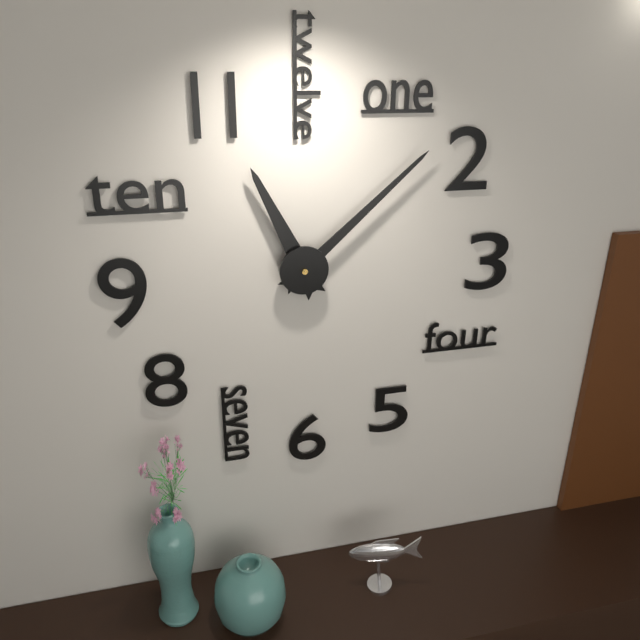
11:08
